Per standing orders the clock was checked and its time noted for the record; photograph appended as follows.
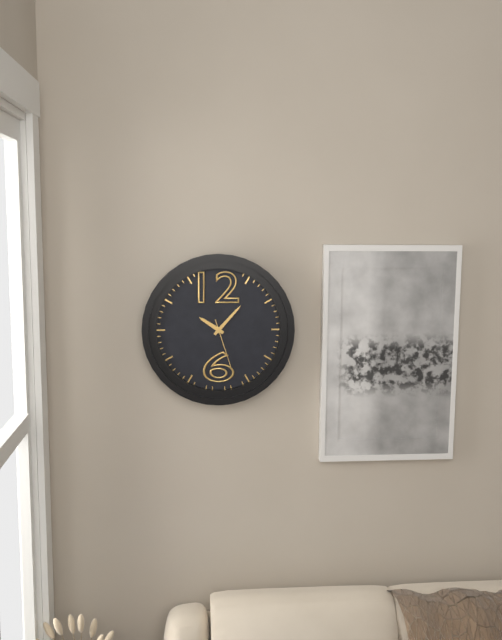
10:07:27
